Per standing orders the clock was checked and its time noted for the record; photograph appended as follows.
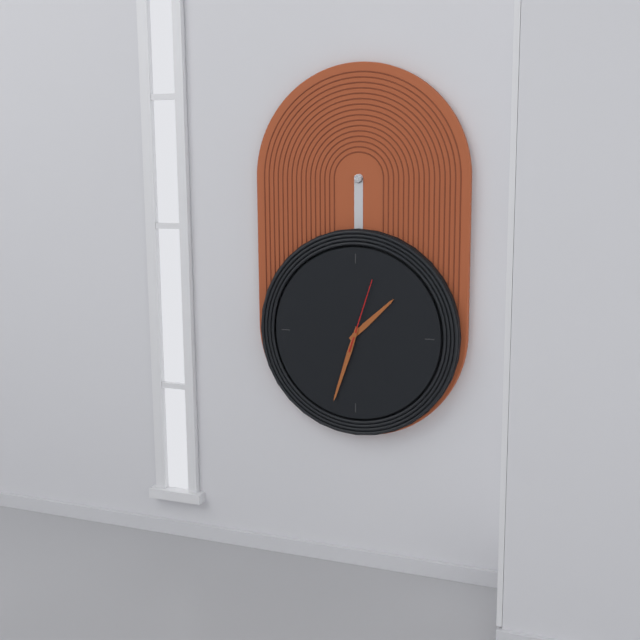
1:33:03
